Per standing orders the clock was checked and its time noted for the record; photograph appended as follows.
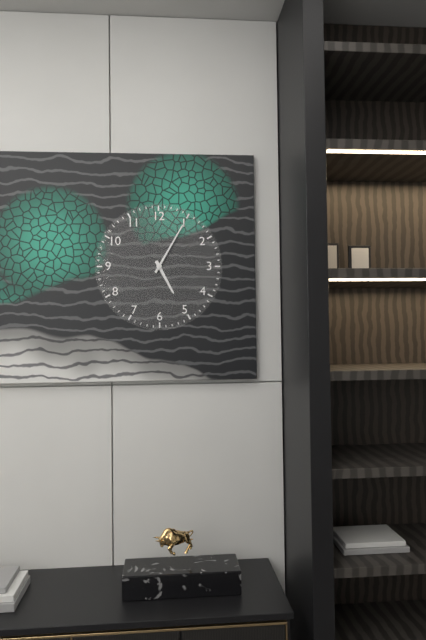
5:05
